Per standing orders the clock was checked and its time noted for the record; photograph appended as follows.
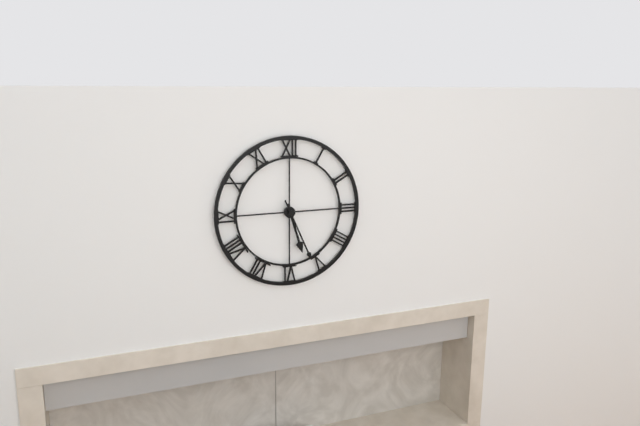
5:26
